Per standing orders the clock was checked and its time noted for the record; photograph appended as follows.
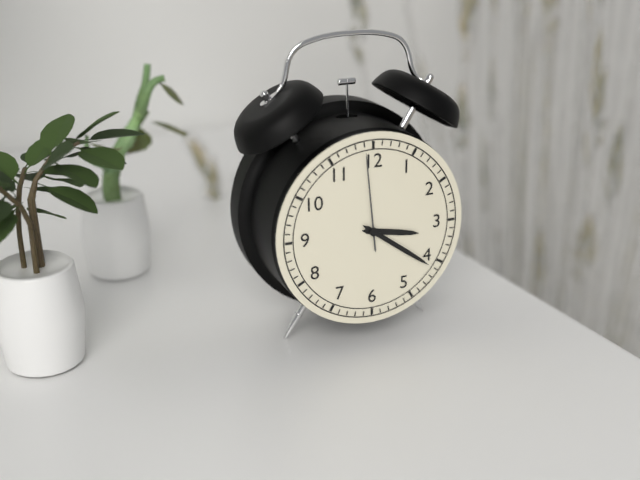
3:21:59
